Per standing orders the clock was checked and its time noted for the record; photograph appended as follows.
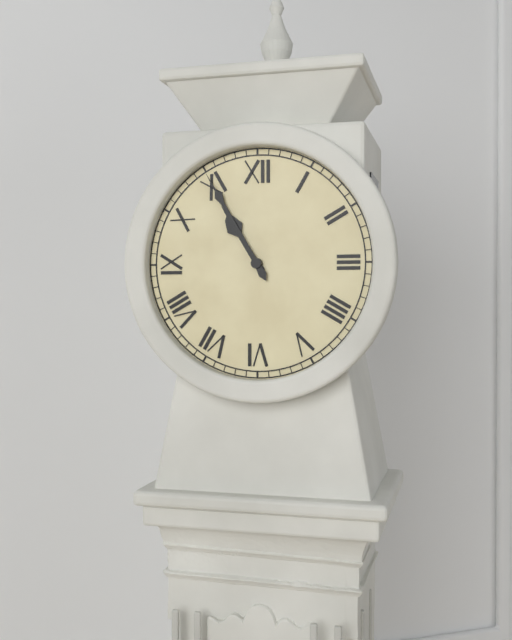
10:55
